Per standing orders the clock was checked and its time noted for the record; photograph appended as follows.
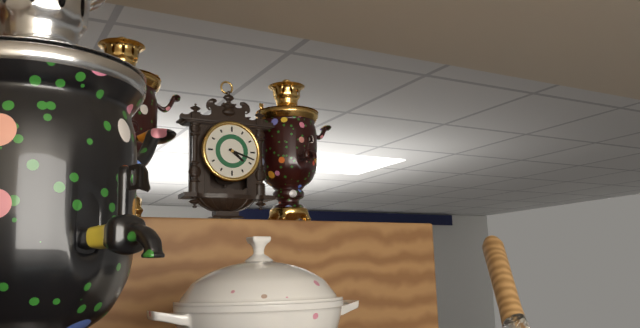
4:18
